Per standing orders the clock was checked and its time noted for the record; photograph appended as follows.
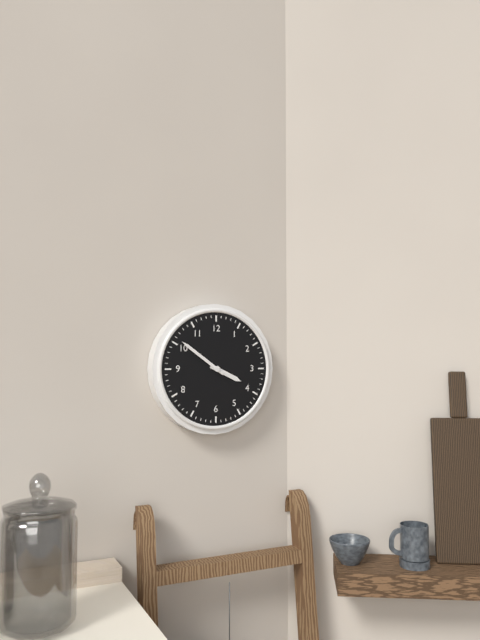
3:51
